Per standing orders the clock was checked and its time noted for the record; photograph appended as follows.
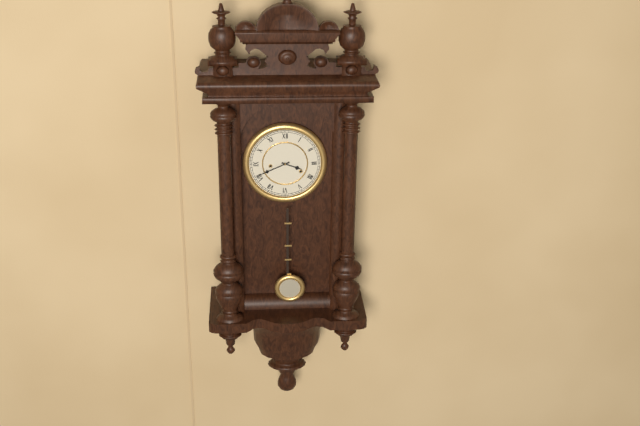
3:41
